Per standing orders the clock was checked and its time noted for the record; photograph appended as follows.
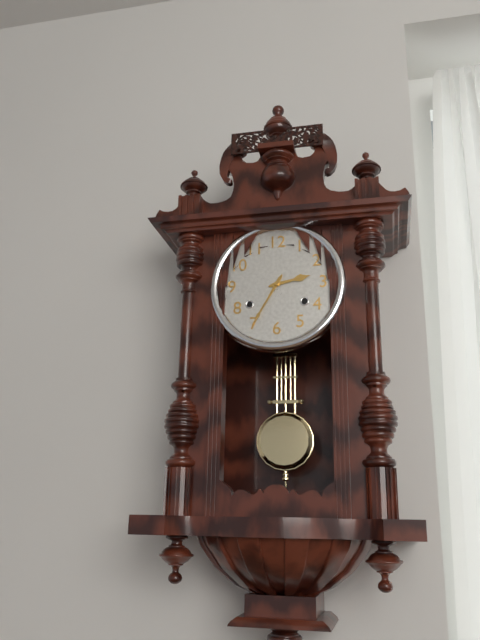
2:35
